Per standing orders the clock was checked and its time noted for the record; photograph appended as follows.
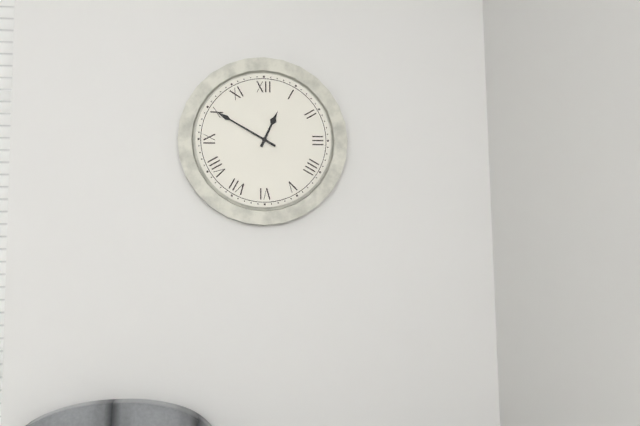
12:50
